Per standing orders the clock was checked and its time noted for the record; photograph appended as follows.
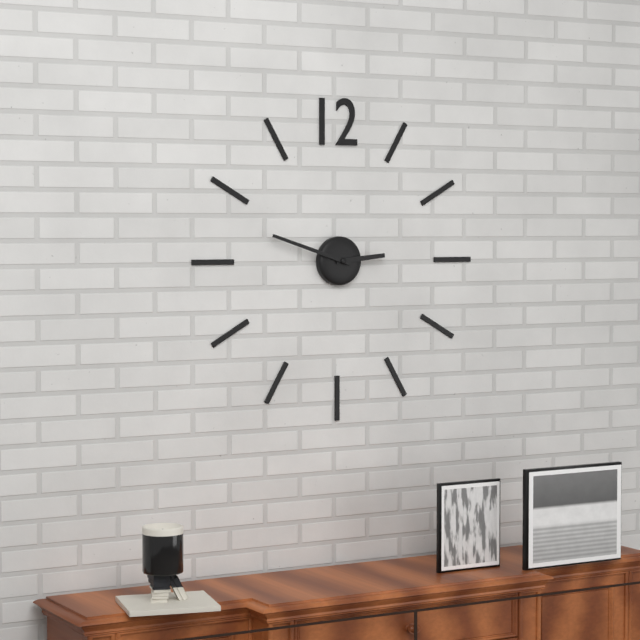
2:48
